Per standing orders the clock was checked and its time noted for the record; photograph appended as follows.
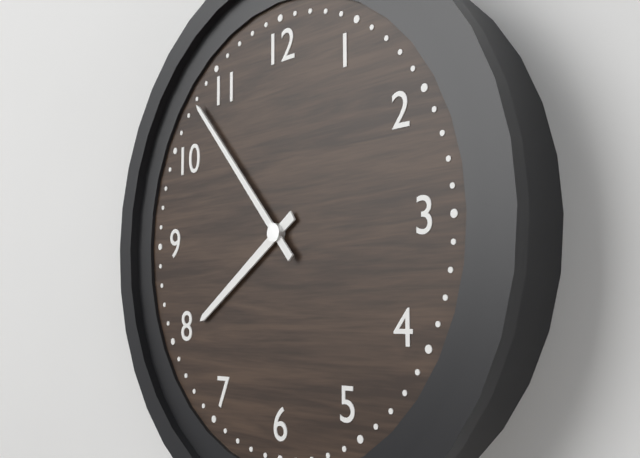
7:53
